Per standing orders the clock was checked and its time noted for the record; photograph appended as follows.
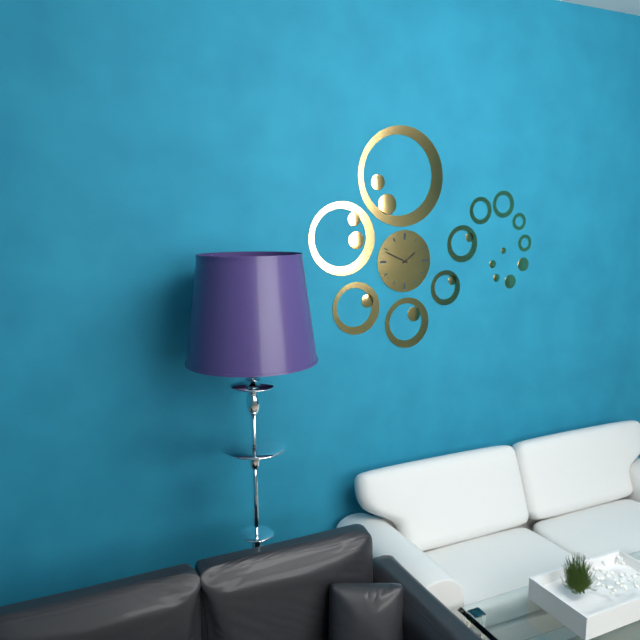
1:49
